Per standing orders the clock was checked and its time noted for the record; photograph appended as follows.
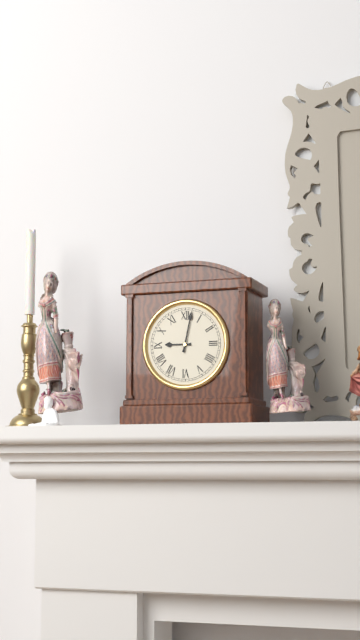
9:02
